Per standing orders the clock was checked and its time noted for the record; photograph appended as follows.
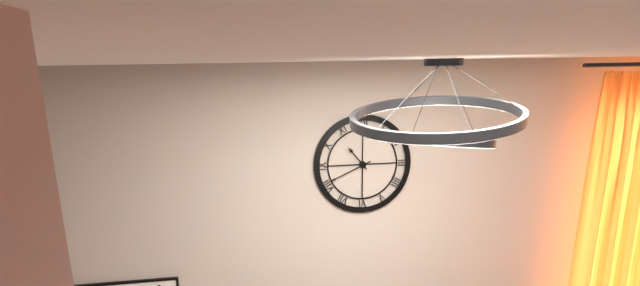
10:41
